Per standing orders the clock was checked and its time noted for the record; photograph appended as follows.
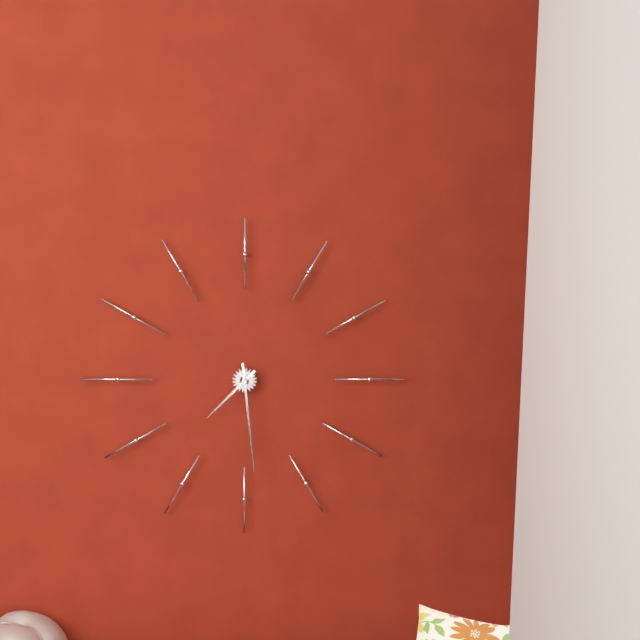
7:29
